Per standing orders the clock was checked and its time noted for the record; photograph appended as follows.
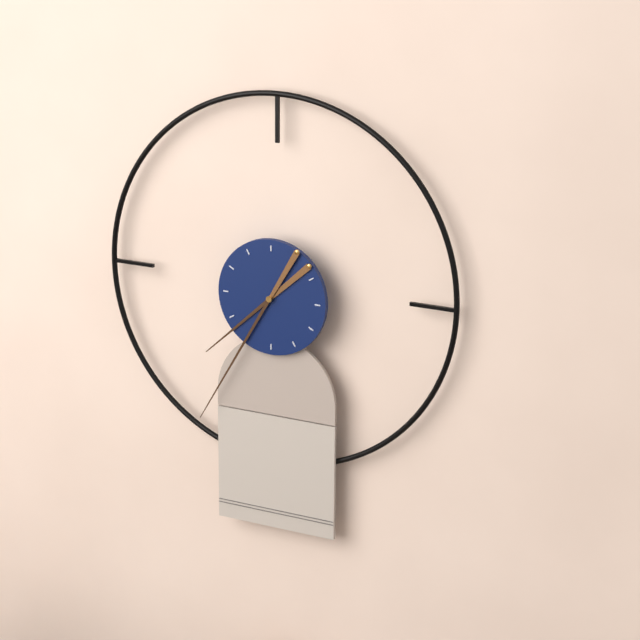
7:35
